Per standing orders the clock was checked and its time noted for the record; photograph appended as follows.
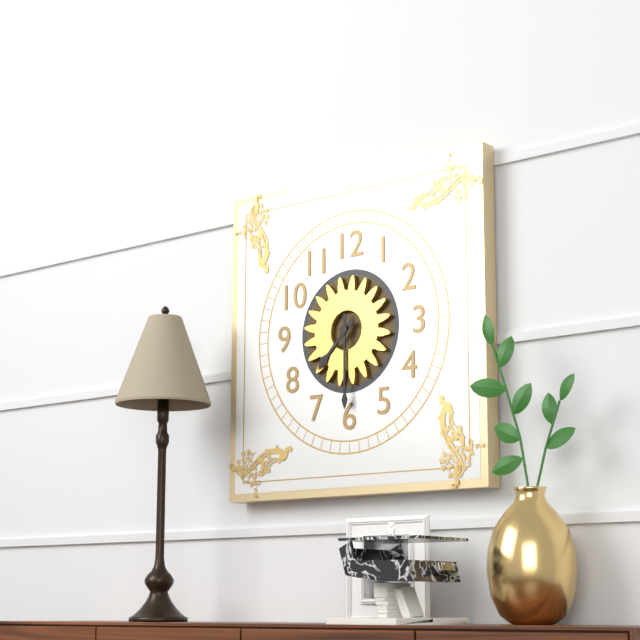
7:30
